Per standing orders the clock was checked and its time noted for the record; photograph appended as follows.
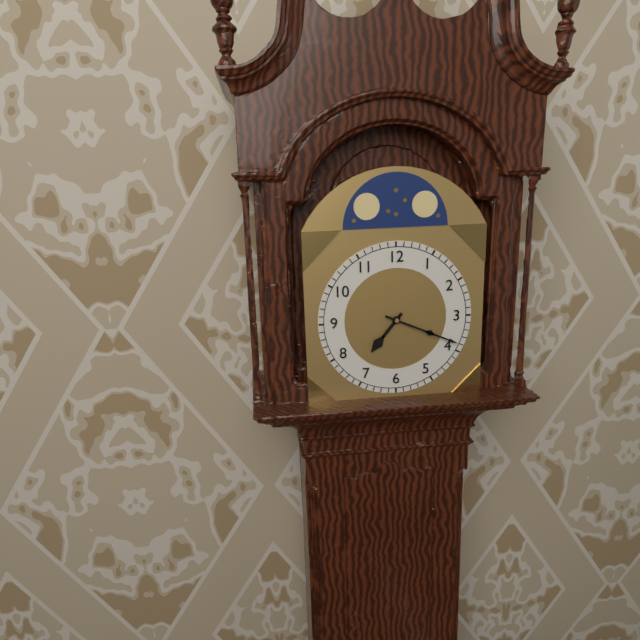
7:19
